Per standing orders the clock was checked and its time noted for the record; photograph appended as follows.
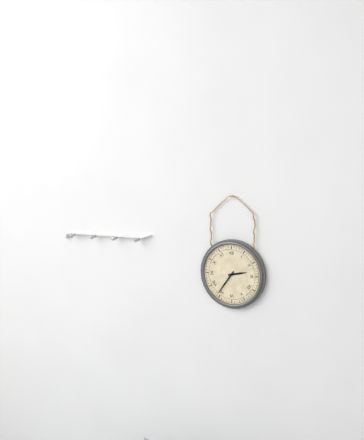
2:36
